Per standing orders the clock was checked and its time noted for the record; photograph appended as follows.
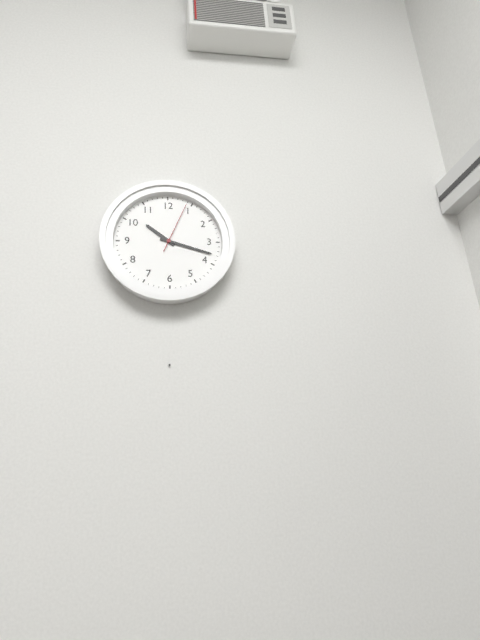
10:18:04
